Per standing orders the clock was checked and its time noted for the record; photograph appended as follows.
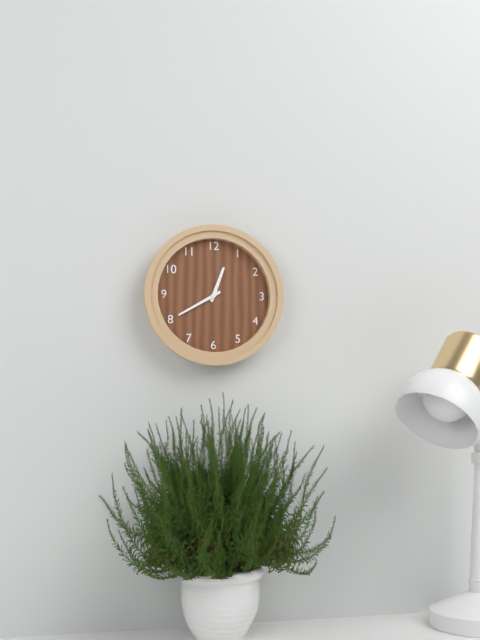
12:40
